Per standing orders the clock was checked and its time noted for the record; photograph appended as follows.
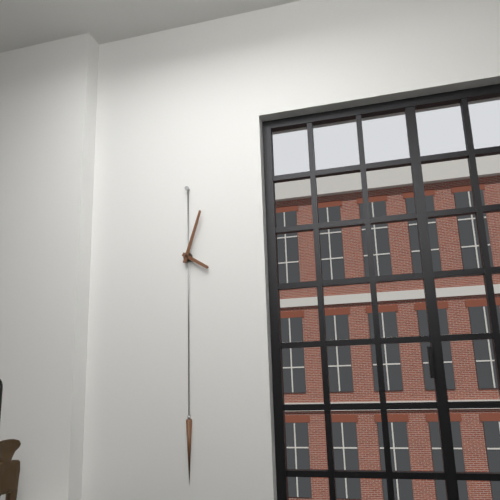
4:03
